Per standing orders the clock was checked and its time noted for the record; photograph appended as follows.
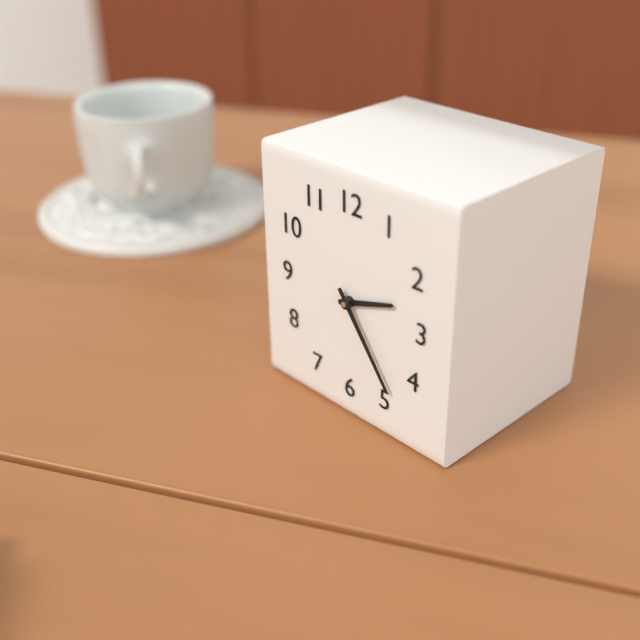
2:24
